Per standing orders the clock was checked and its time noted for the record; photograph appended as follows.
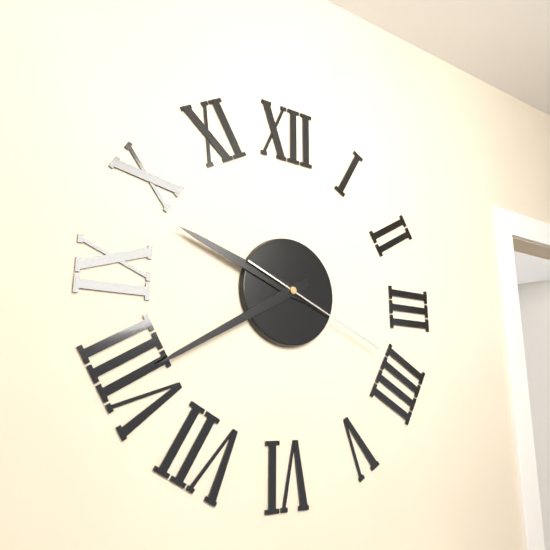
9:40:19
